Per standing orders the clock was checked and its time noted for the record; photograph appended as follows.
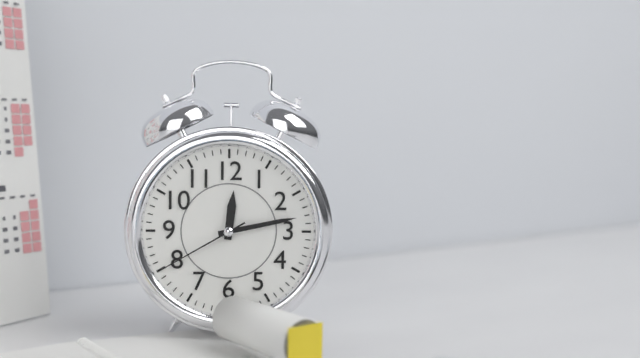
12:13:40
